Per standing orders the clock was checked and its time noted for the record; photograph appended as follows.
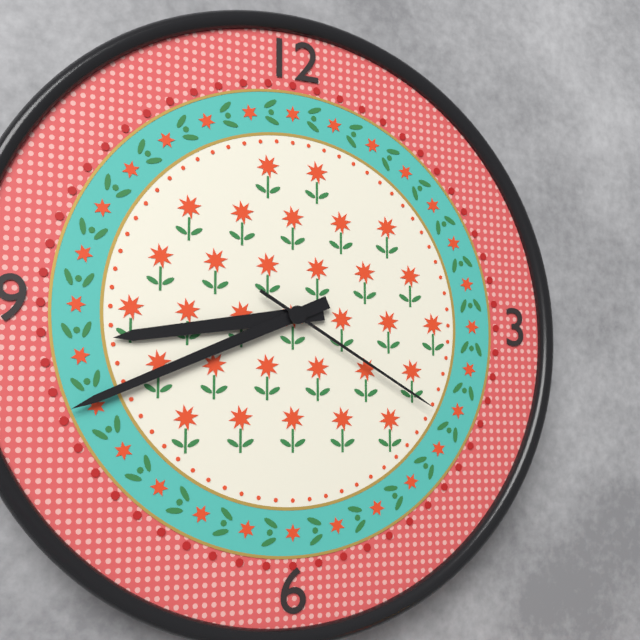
8:41:20
